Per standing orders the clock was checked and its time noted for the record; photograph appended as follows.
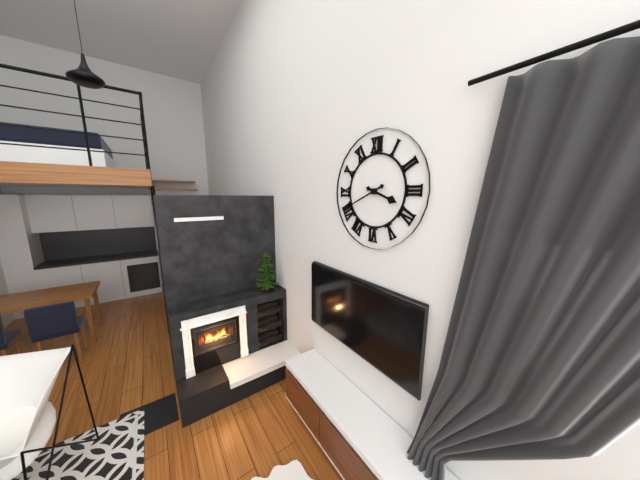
3:41
